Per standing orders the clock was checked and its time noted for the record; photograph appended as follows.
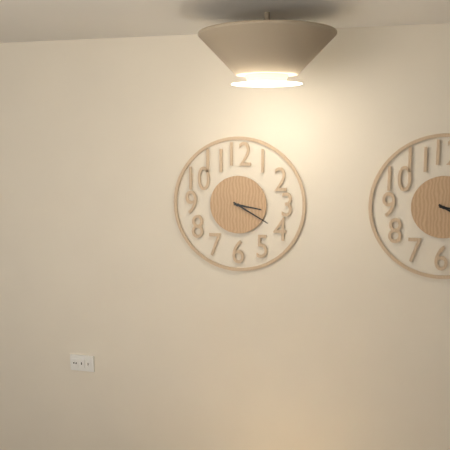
3:20
